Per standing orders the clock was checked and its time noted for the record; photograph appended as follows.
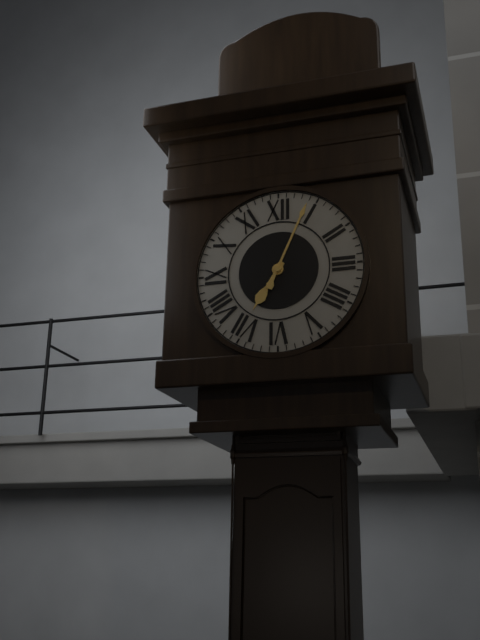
7:04
